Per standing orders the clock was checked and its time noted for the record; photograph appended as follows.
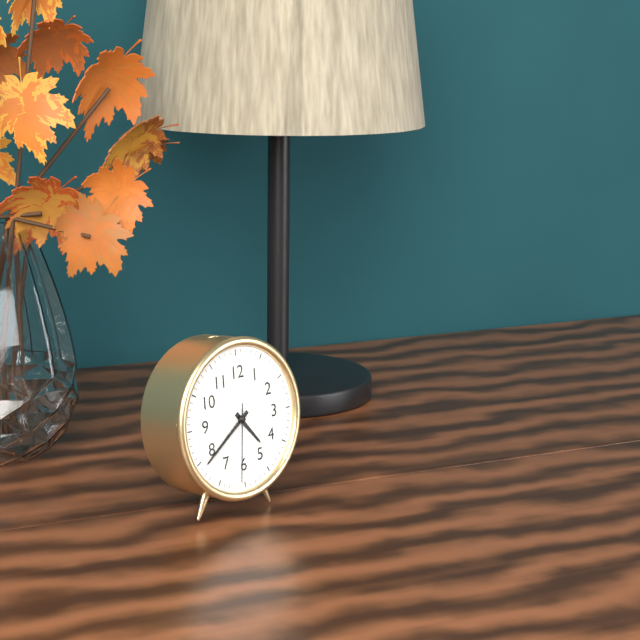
4:39:31
